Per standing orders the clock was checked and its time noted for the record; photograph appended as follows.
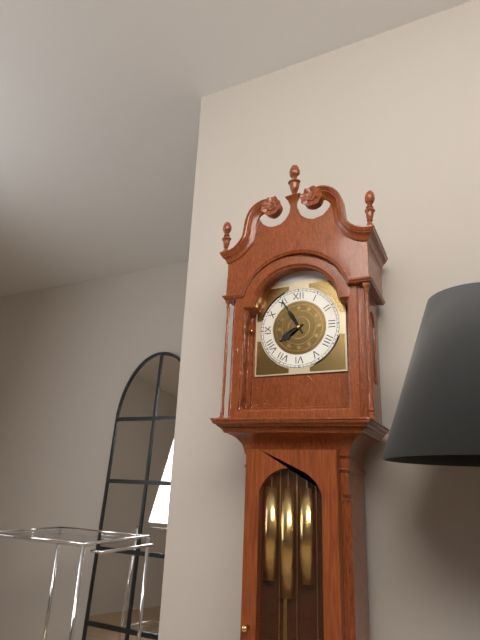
7:55
